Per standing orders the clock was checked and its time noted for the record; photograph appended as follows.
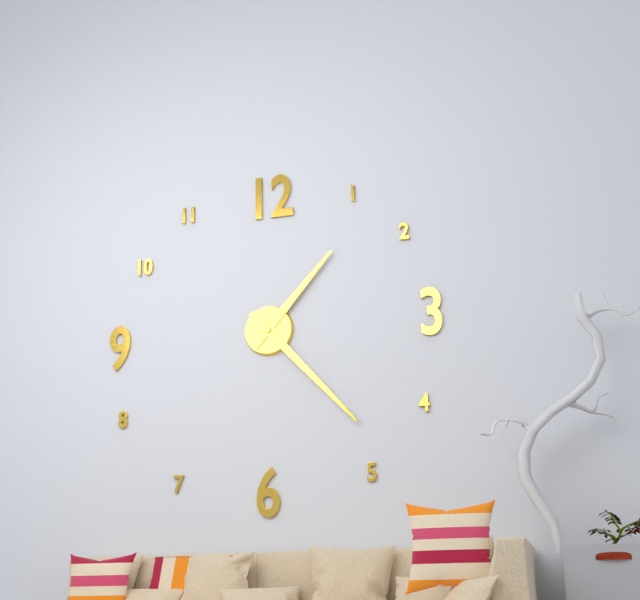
1:23
